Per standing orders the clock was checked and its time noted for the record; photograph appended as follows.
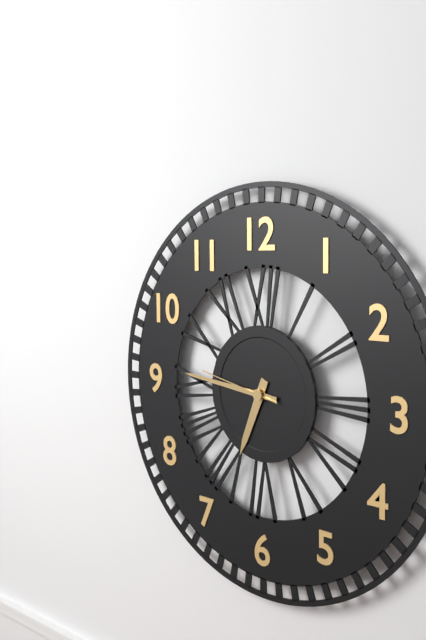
6:46:47
